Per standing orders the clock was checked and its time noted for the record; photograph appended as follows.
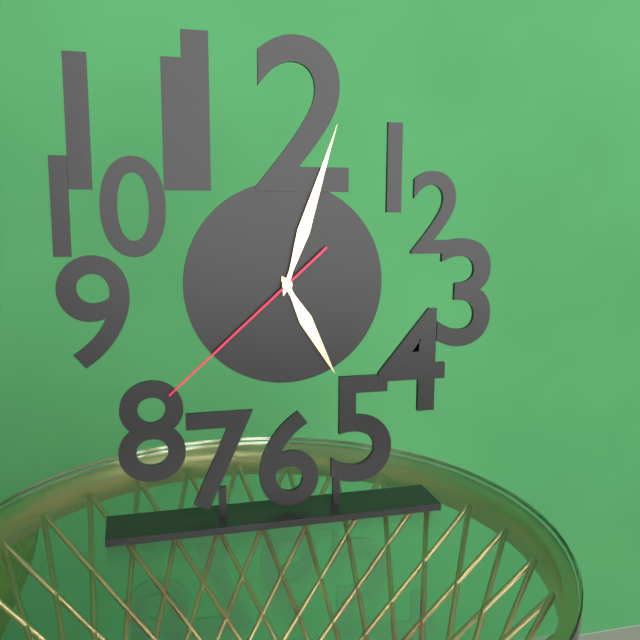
5:03:38
